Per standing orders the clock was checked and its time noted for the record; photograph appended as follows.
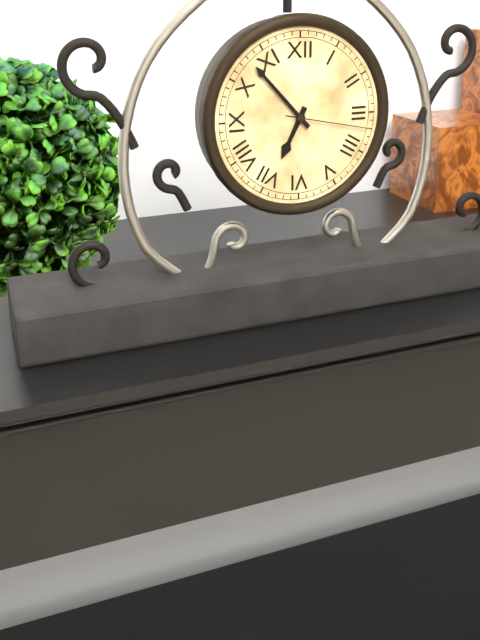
6:53:17
